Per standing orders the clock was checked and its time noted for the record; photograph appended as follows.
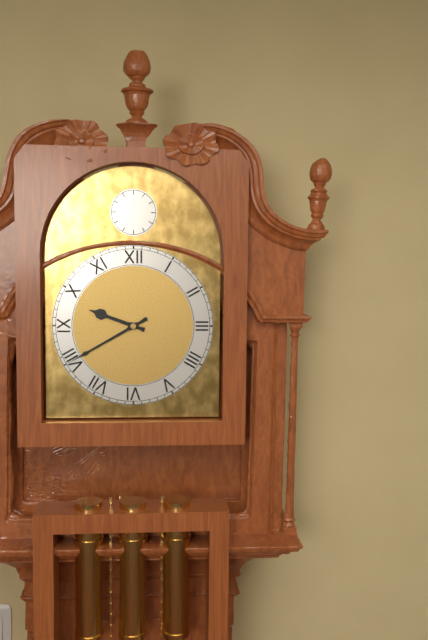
9:40
